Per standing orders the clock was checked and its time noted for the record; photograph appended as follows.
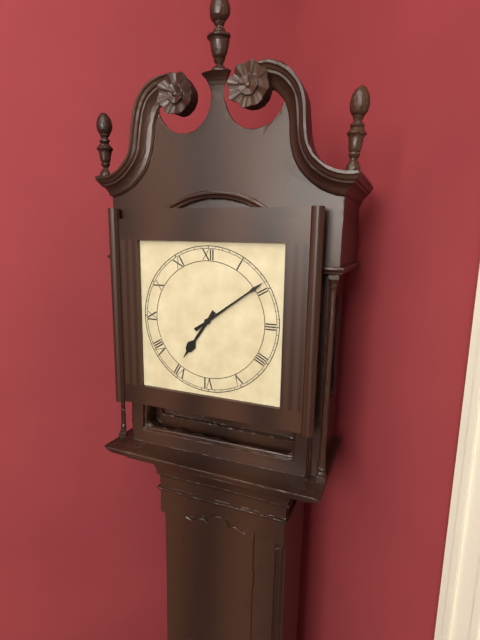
7:09
